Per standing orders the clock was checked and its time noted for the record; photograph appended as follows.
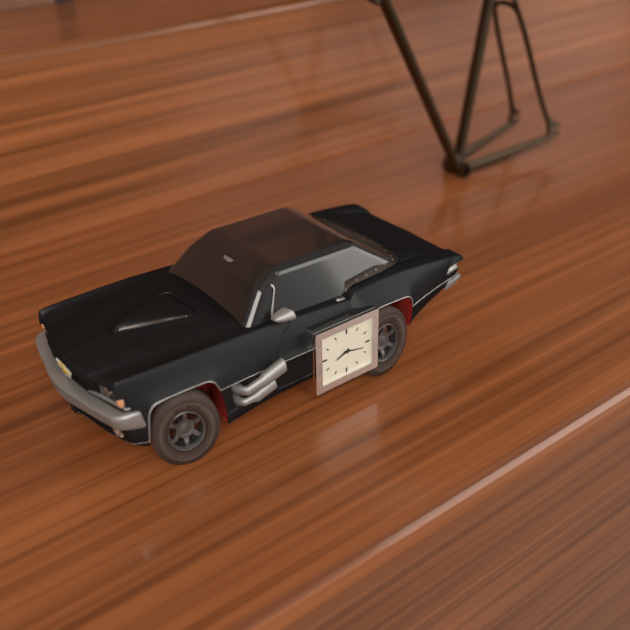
8:17
